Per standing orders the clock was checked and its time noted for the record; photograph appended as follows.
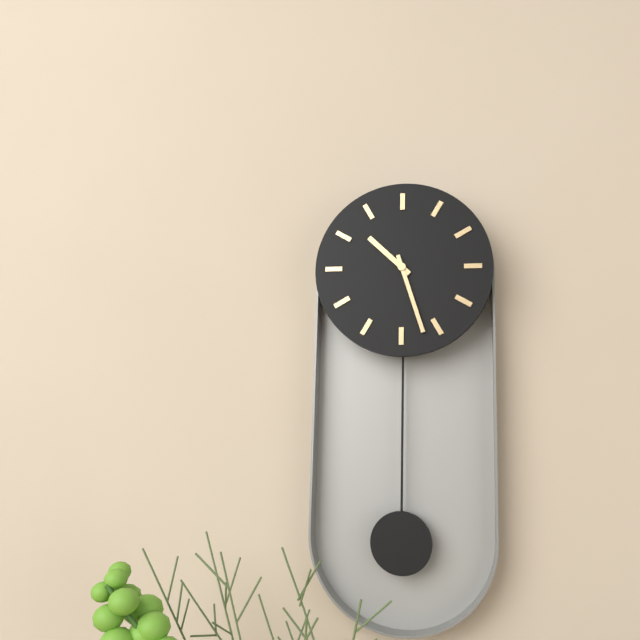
10:27
